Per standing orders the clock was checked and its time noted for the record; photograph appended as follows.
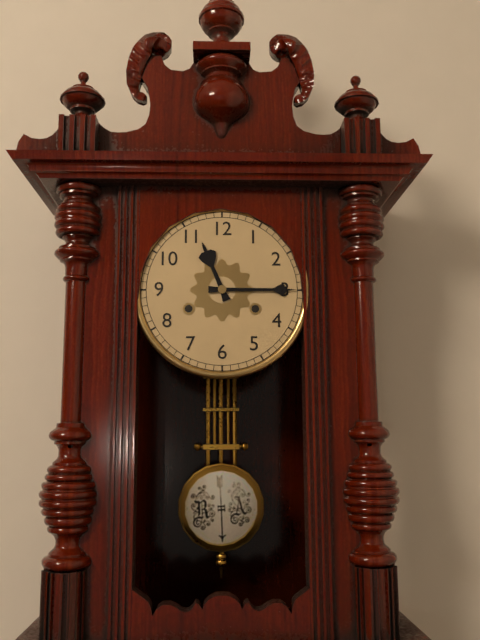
11:15
